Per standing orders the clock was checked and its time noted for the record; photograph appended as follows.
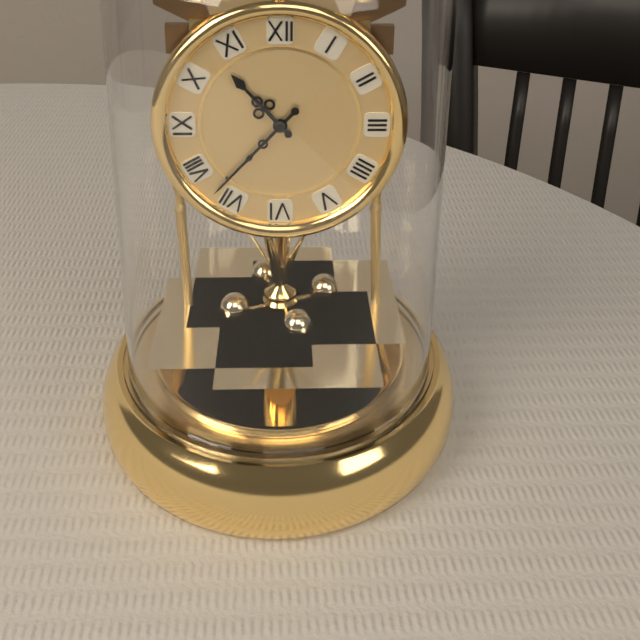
10:37
